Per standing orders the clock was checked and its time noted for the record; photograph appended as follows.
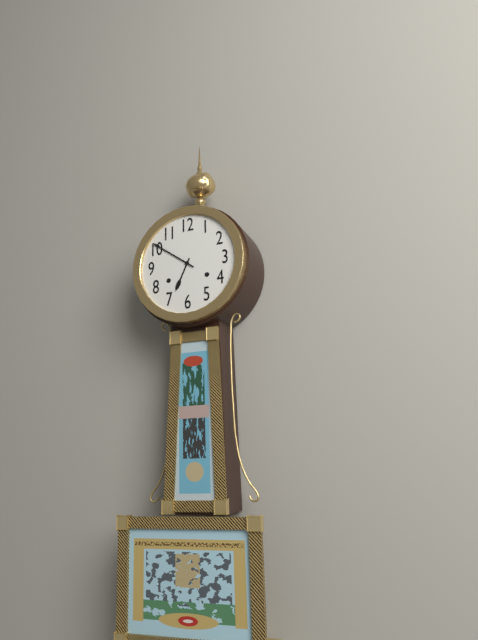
6:51
